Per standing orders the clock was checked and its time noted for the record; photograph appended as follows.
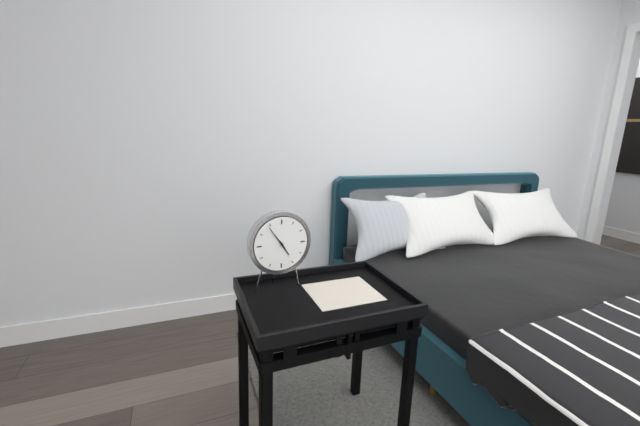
4:54
